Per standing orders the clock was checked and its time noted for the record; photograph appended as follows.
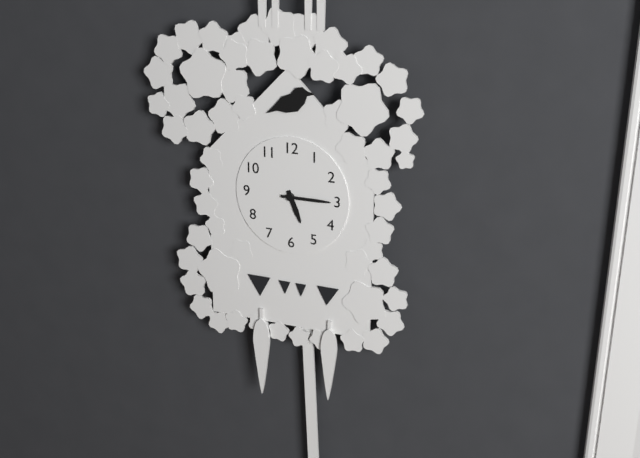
5:15
